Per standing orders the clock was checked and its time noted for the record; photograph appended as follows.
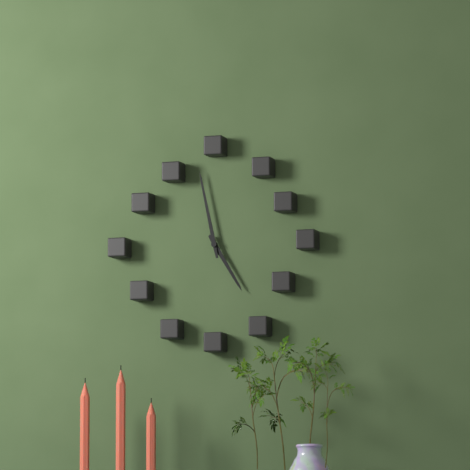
4:58
